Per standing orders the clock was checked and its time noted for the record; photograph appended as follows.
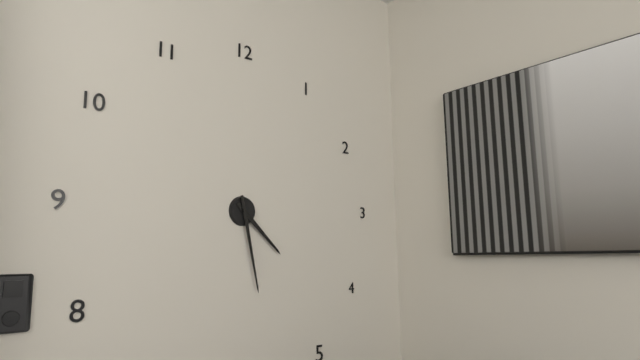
4:28
